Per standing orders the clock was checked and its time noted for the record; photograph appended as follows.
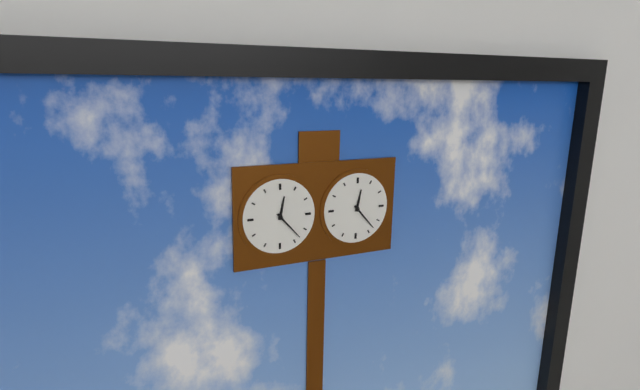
12:23
